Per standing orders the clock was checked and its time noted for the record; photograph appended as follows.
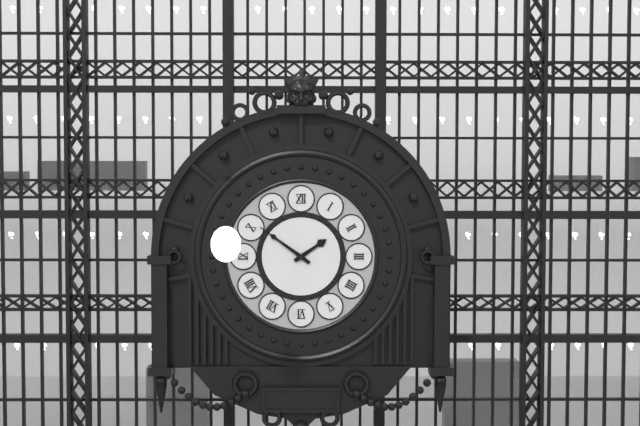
1:51
